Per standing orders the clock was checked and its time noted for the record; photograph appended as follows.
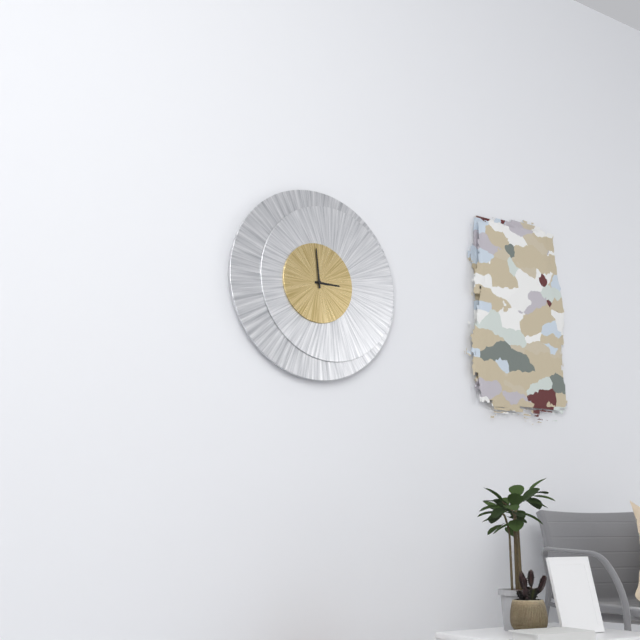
2:59
